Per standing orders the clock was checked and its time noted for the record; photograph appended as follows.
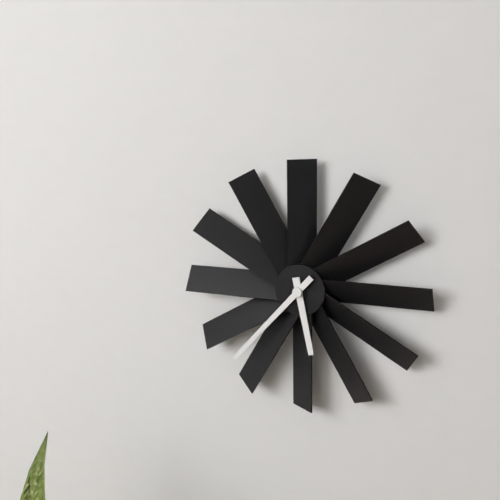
5:37
